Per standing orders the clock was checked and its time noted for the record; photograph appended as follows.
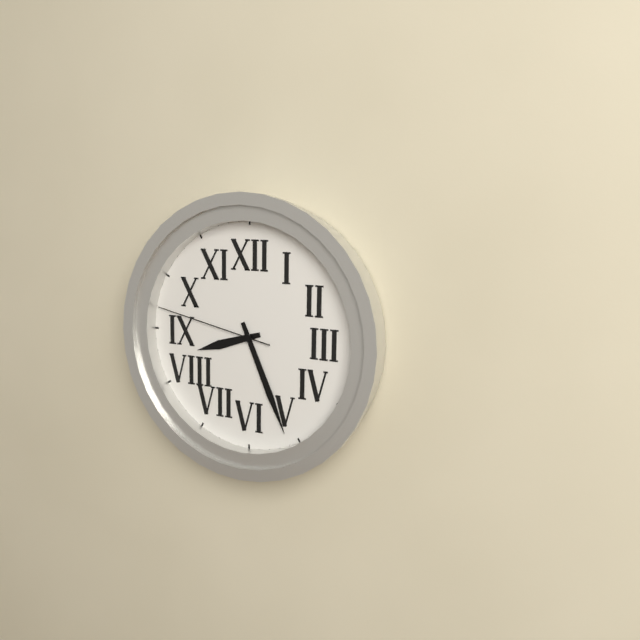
8:26:47
